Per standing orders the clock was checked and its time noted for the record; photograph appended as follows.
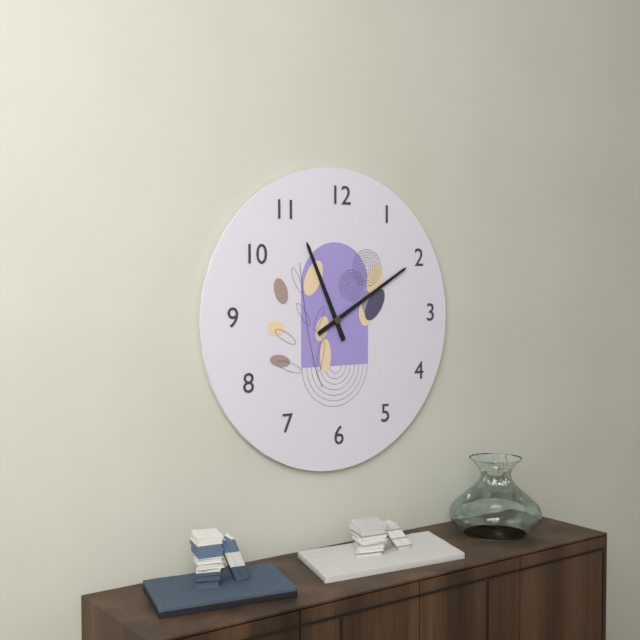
11:10
